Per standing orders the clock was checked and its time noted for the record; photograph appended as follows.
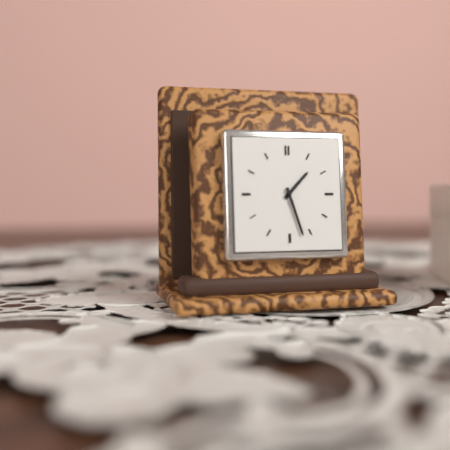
1:27
